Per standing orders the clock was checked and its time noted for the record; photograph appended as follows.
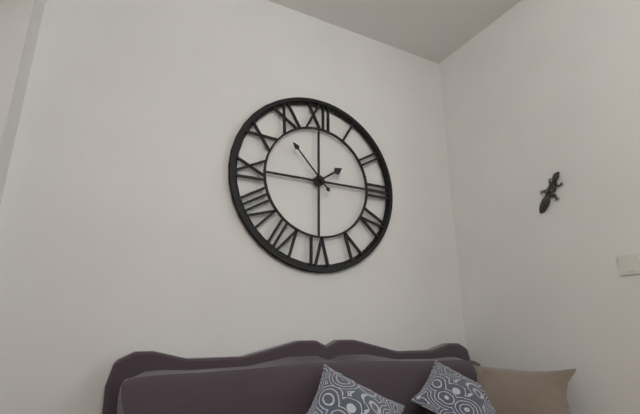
1:53
